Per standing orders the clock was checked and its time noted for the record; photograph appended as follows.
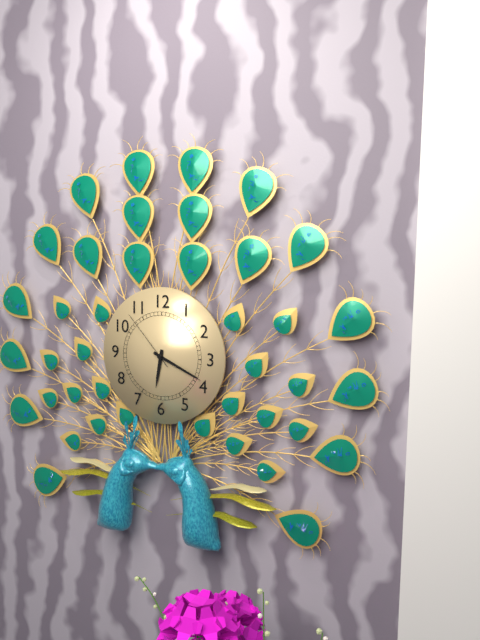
6:19:53
